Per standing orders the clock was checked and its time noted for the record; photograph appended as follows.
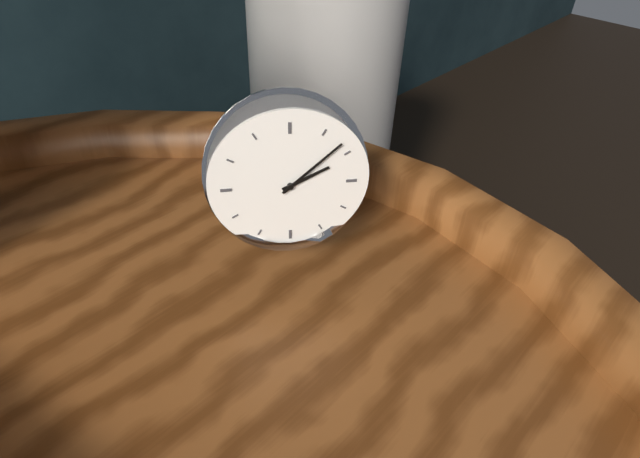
2:08
